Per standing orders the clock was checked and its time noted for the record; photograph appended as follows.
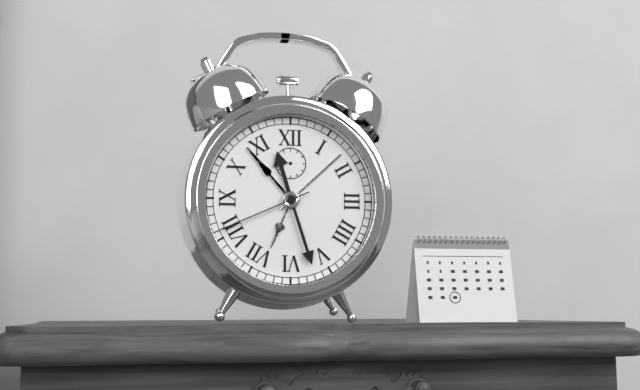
11:27:41
